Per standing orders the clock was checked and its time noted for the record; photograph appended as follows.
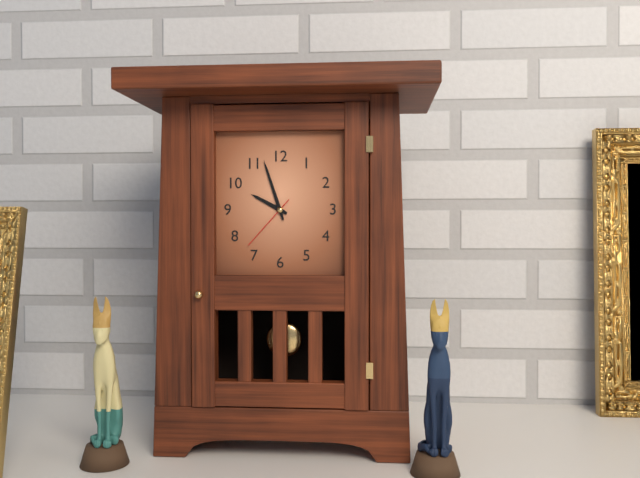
9:57:37
